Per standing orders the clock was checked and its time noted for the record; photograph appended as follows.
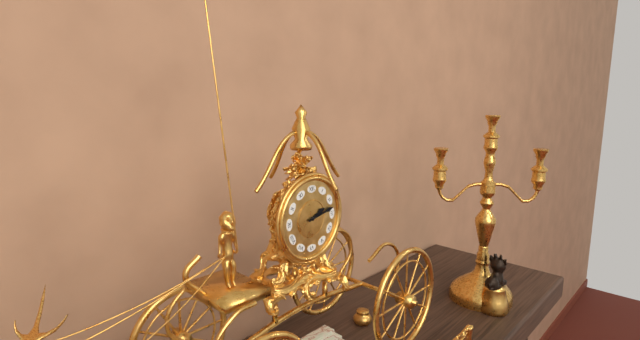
2:13
